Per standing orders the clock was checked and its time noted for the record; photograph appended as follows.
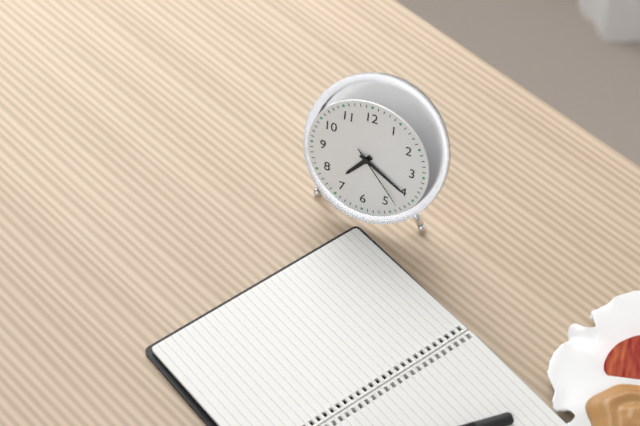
7:20:23
